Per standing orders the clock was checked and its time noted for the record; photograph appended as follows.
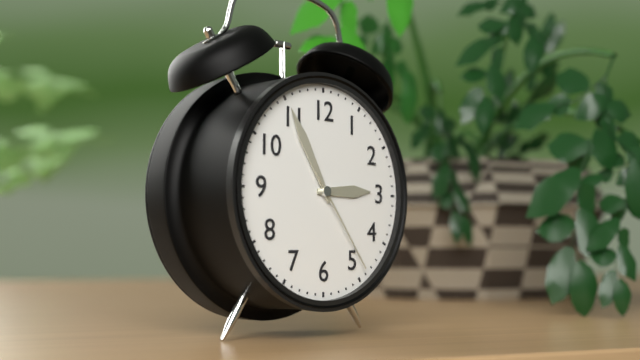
2:55:24
